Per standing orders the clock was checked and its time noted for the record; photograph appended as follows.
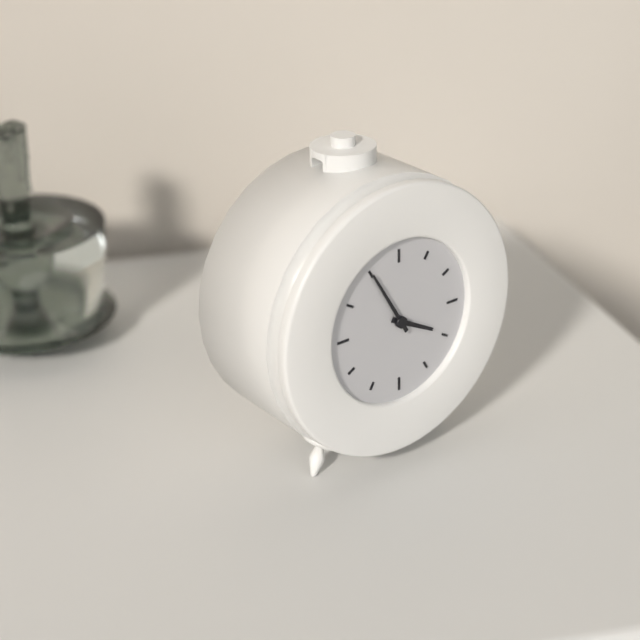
3:55
